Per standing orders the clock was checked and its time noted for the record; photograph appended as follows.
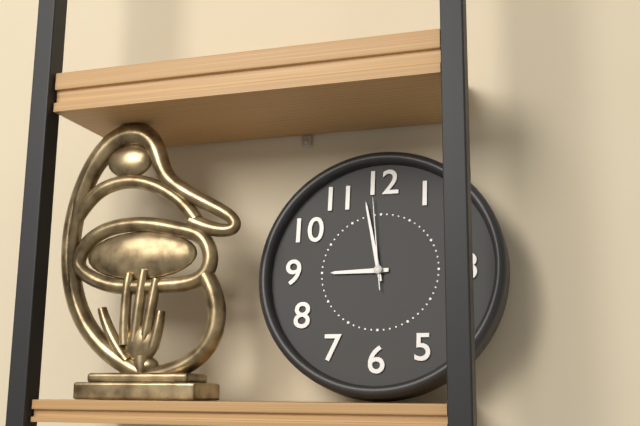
8:58:59
